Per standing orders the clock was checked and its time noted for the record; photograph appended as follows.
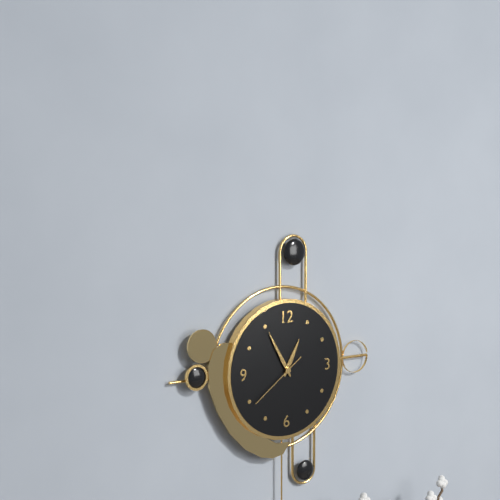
12:55:39
